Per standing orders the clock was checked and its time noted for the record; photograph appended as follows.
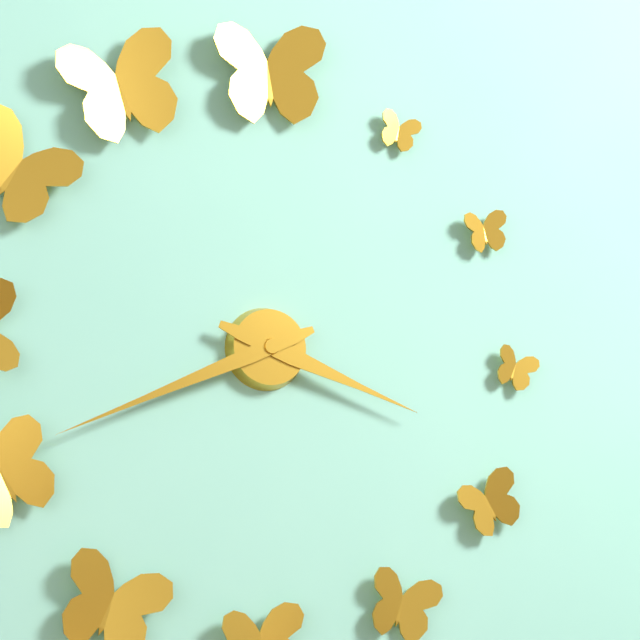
3:41
